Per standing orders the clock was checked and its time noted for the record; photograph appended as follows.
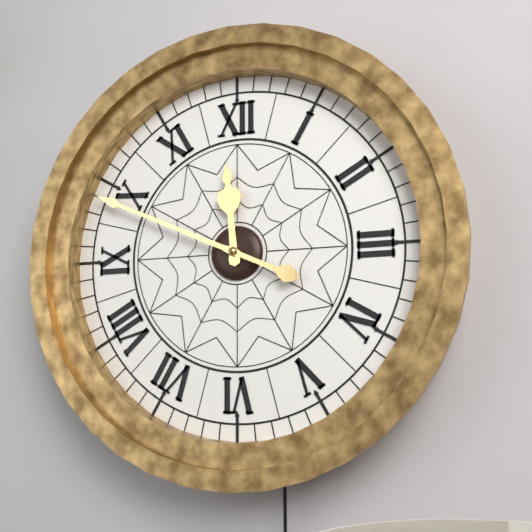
11:49
